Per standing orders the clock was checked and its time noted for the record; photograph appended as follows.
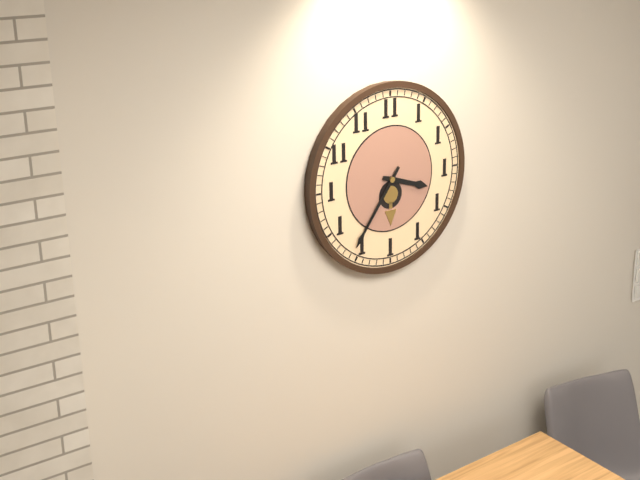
3:36
